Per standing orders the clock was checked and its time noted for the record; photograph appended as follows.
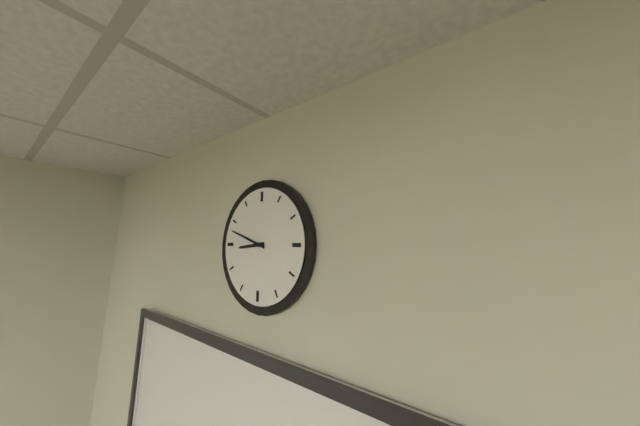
8:48
